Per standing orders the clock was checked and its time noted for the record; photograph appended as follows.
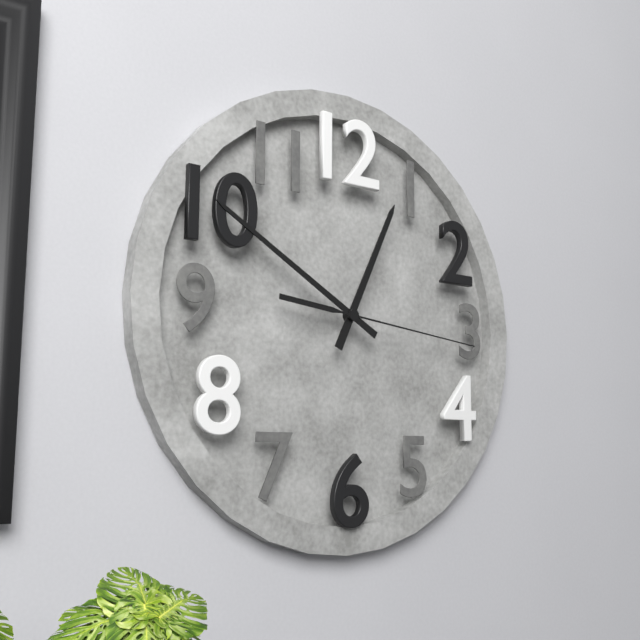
12:50:16
